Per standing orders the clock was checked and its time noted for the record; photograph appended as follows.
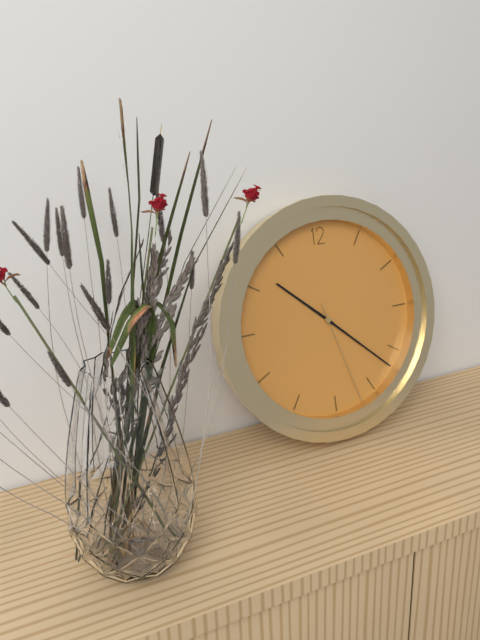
10:22:27
